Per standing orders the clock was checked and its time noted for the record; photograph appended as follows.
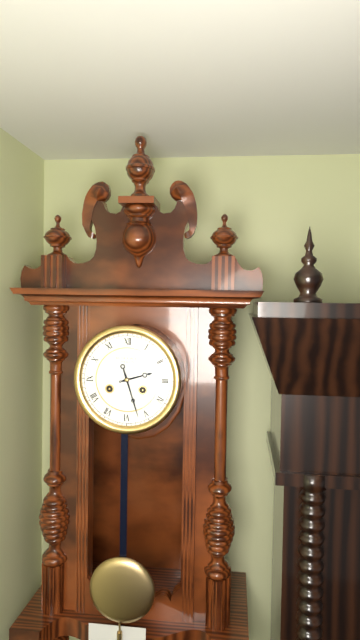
2:27
